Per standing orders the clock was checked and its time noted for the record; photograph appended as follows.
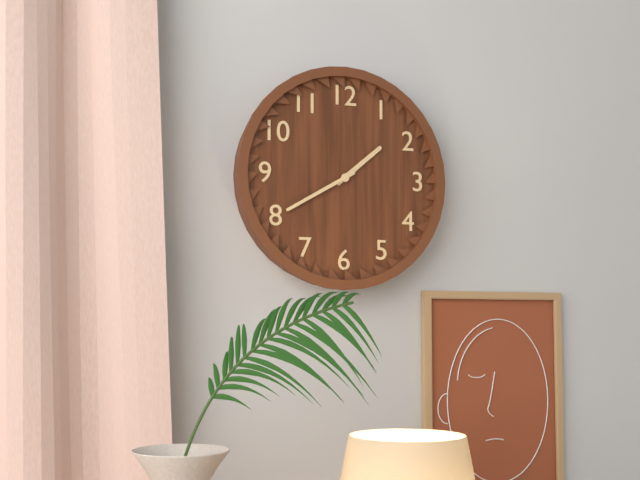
1:40
